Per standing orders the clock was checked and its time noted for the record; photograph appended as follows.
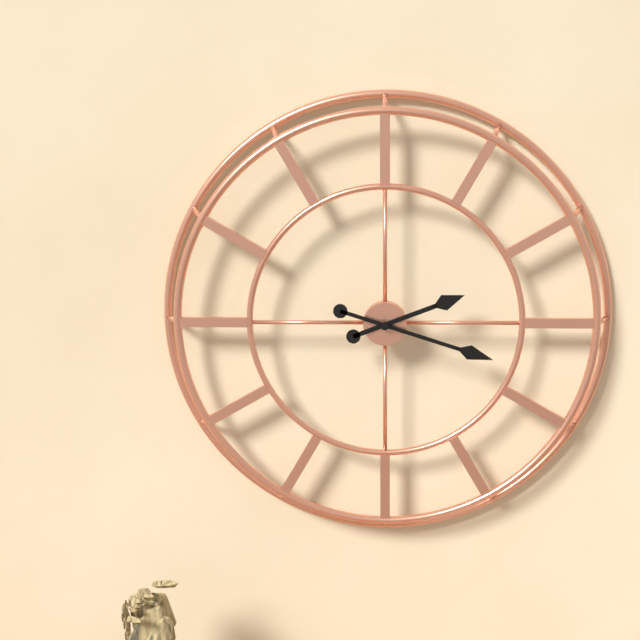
2:18
